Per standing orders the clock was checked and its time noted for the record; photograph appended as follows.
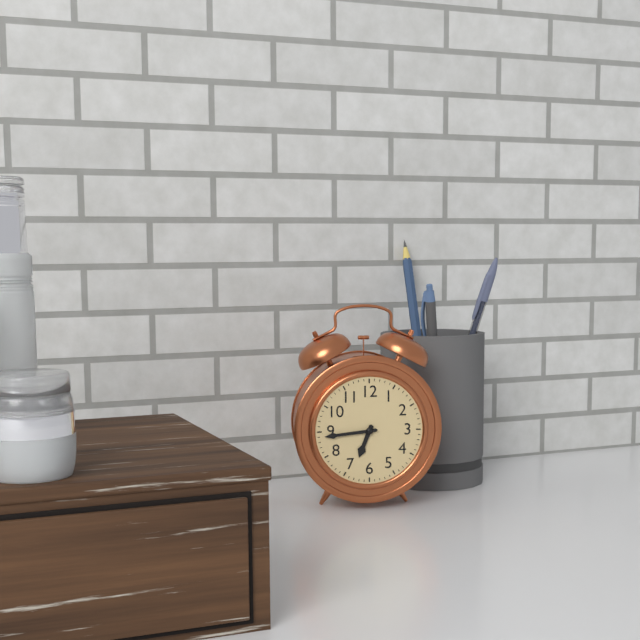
6:44
